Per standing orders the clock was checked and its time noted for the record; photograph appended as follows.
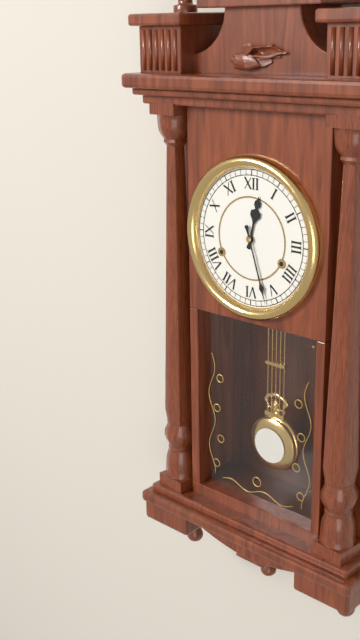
12:27
